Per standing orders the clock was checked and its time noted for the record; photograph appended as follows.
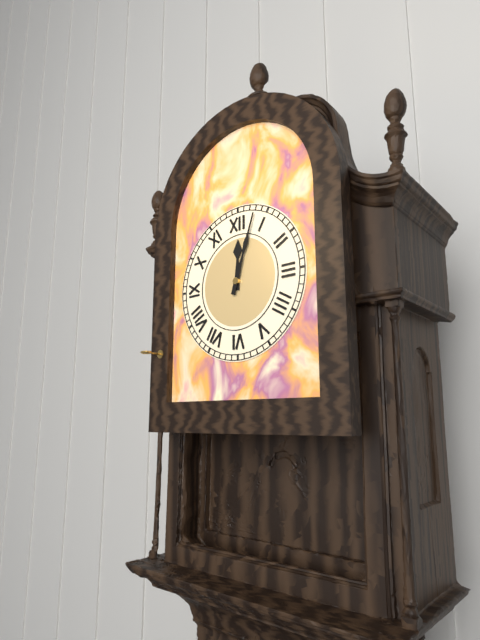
12:03
